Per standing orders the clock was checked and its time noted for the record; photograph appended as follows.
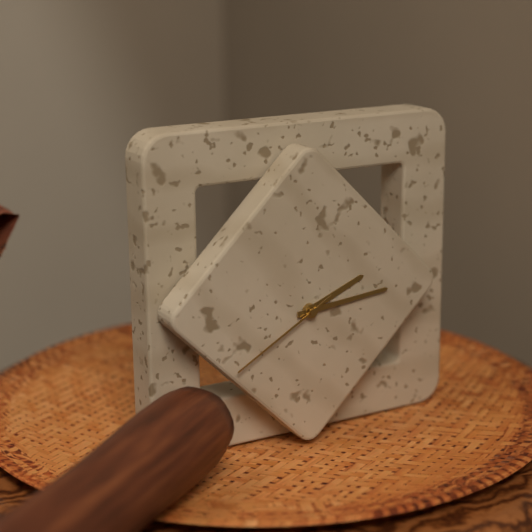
2:14:40
